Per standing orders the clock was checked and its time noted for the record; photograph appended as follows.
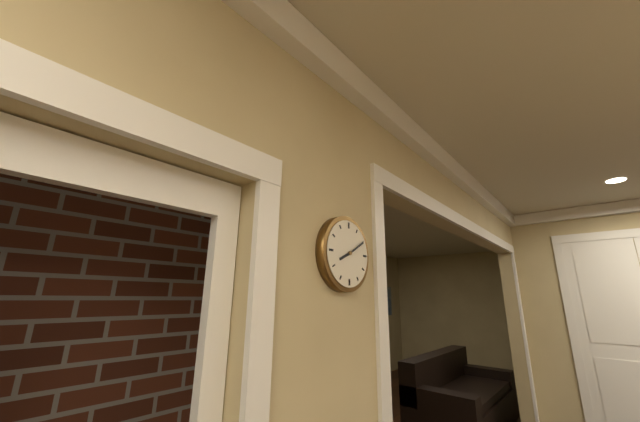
8:10
